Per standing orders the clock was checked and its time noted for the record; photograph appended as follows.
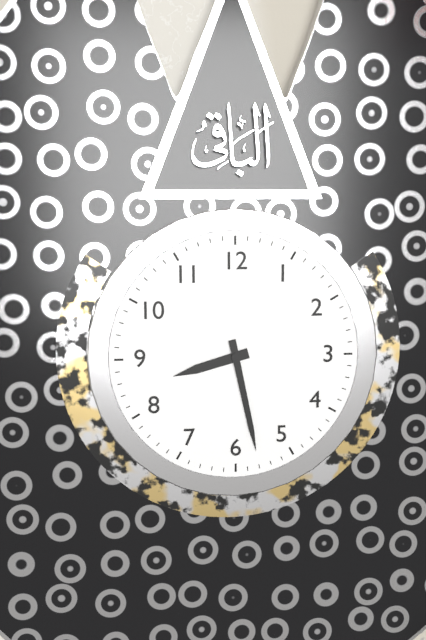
8:28
